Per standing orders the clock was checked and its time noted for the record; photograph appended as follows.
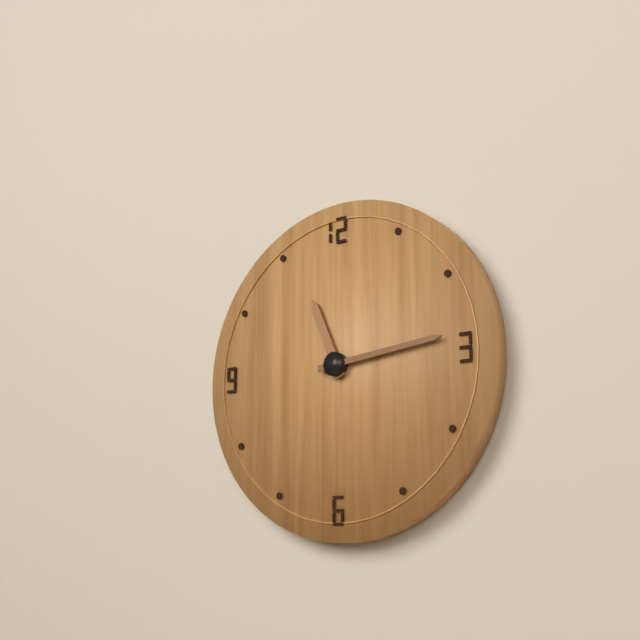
11:14
